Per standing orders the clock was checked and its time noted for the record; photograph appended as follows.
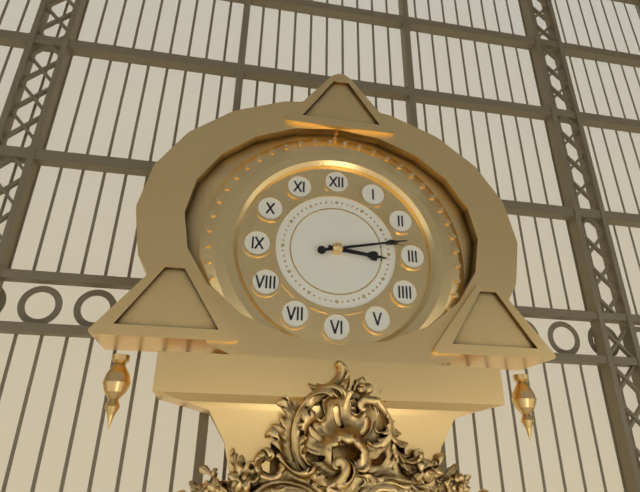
3:13
